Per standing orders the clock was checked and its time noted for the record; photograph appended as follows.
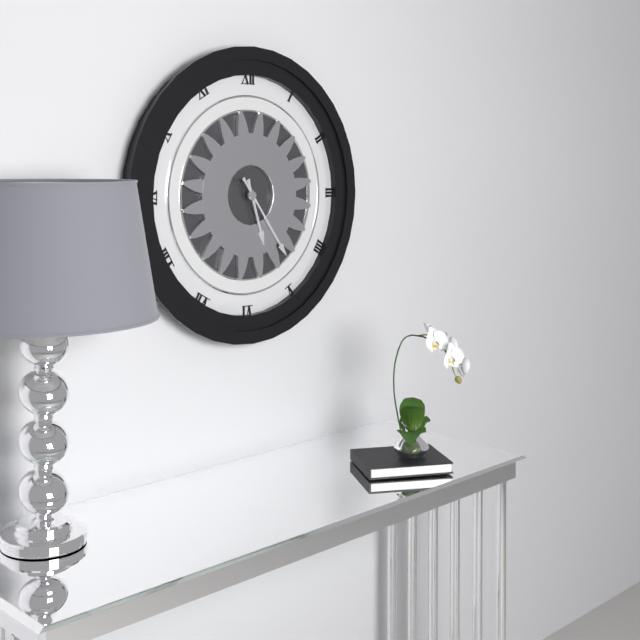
5:24
